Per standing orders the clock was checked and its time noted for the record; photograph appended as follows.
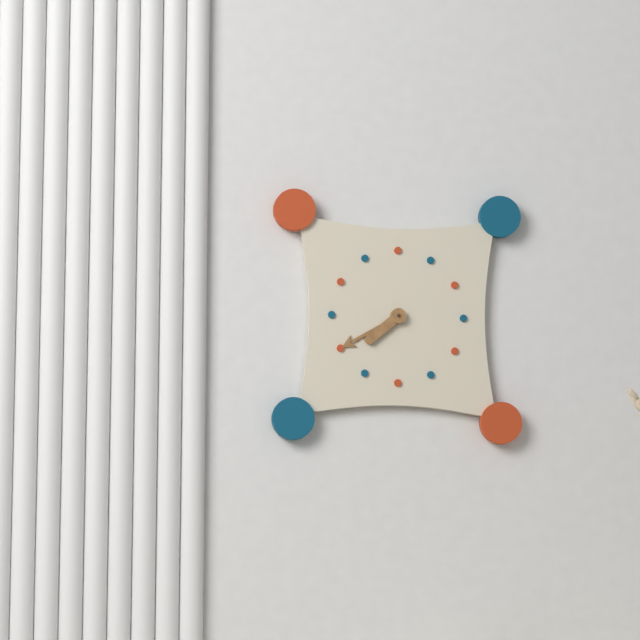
7:40
